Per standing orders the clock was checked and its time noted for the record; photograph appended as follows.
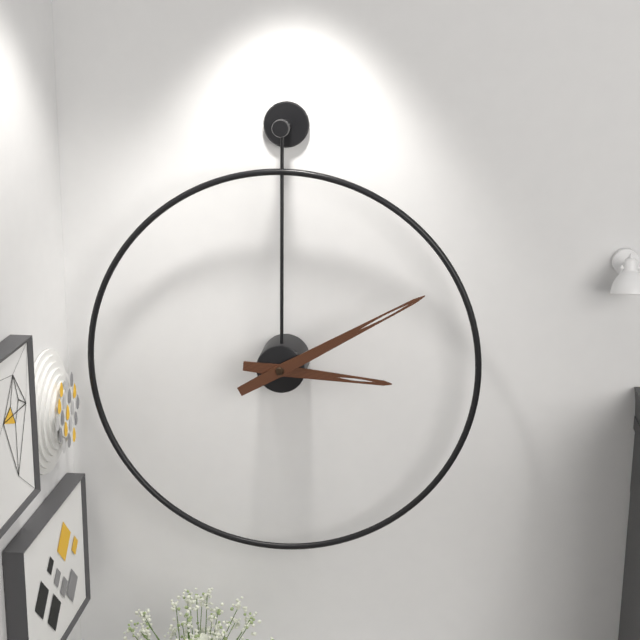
3:10
